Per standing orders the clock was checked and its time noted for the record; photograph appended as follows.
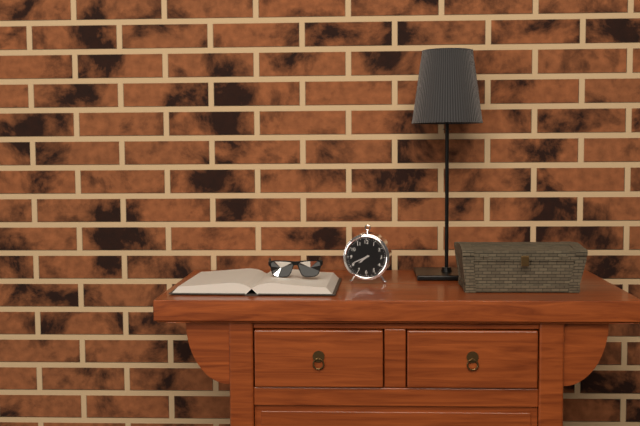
7:41
